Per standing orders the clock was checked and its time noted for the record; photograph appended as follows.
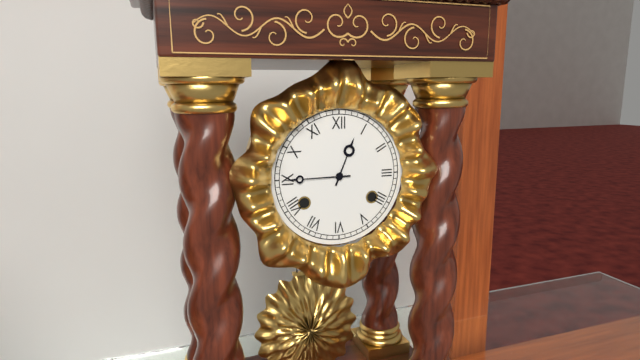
12:45
